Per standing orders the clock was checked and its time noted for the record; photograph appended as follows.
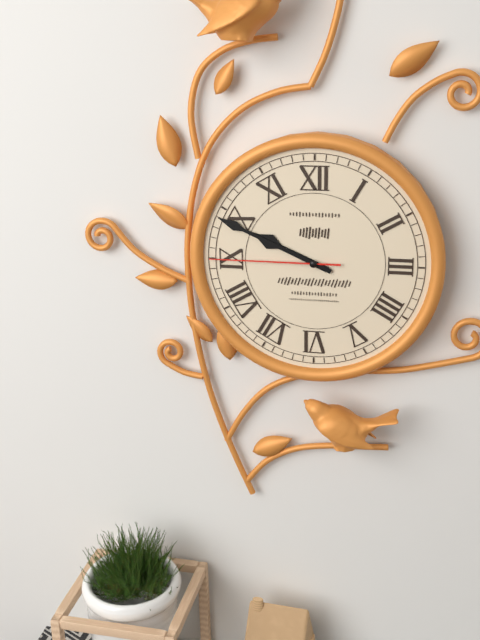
9:49:45
